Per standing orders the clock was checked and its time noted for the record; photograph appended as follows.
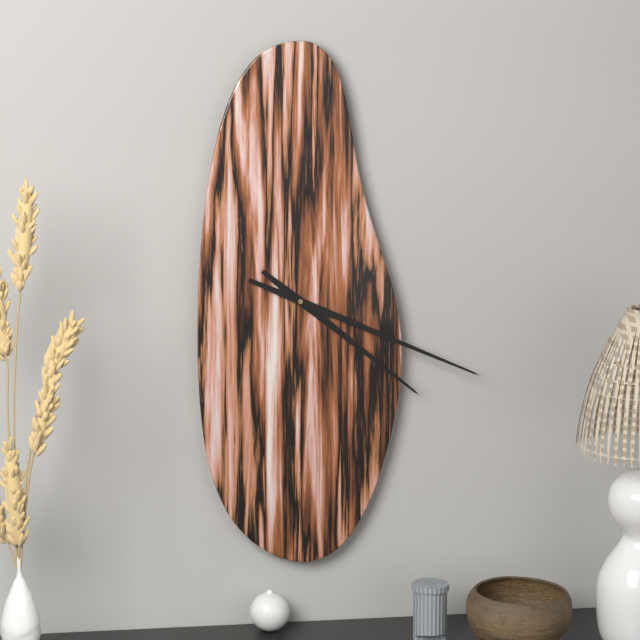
4:19
